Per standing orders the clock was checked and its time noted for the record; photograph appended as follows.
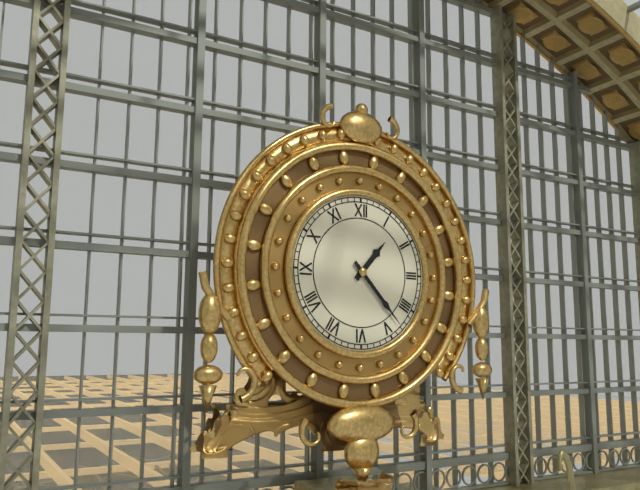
1:23
